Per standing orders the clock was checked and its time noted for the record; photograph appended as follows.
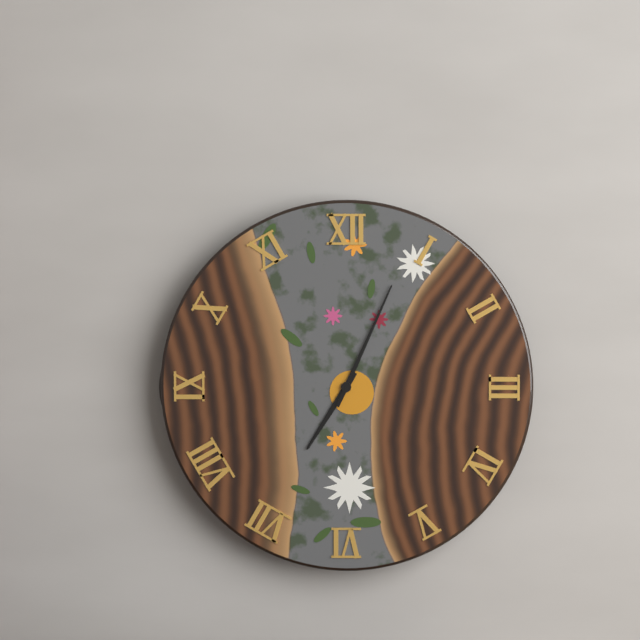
7:04
